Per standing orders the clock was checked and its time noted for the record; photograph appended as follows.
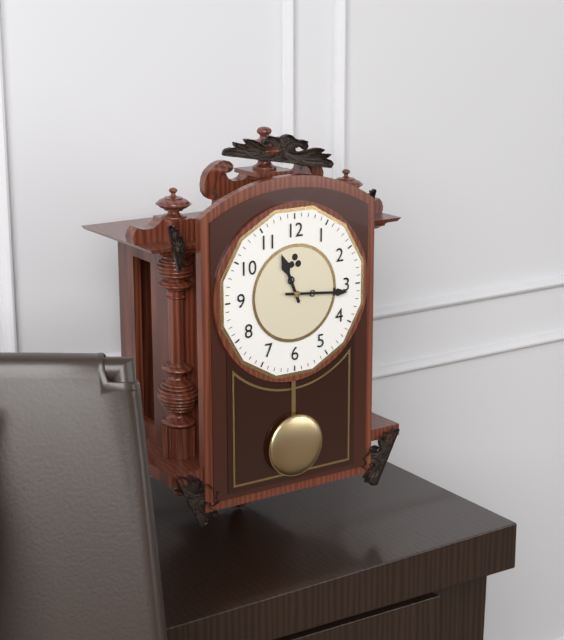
11:16
